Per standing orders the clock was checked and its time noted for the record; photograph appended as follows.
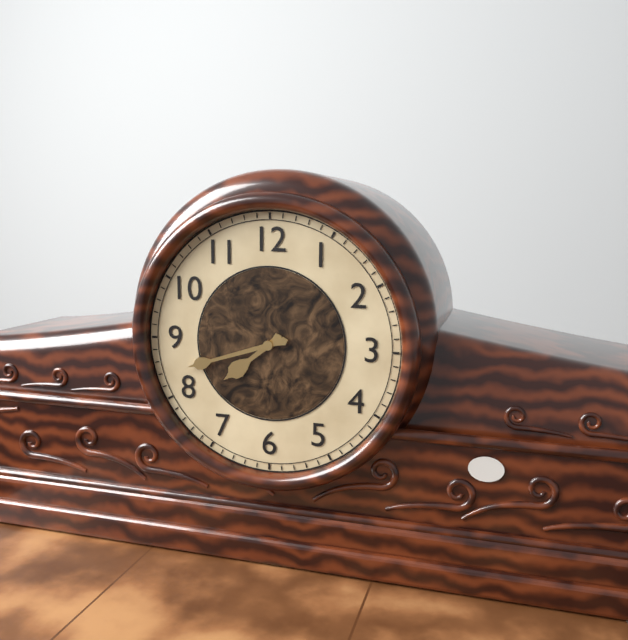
7:42
